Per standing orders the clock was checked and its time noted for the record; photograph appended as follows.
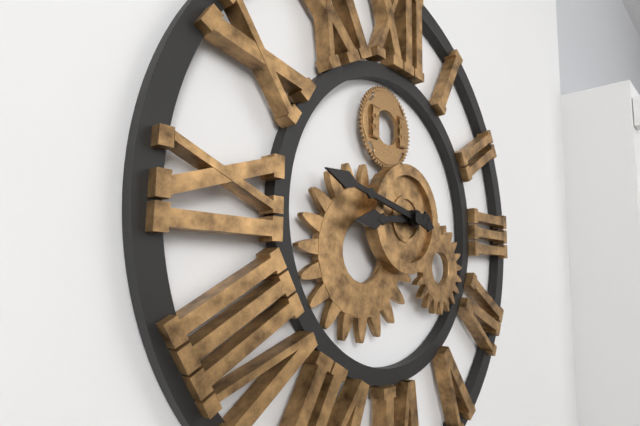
8:47
